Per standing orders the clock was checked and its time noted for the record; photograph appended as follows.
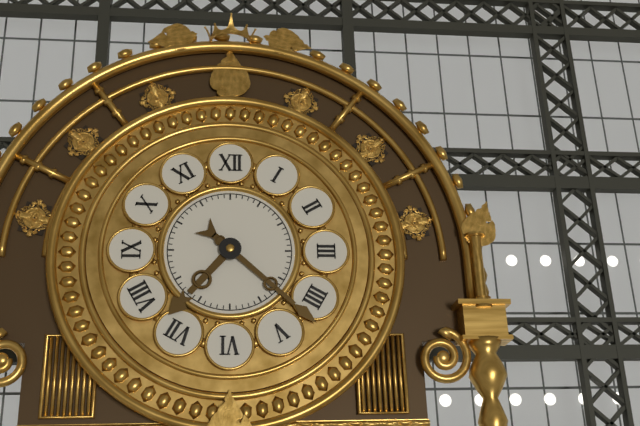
7:22
